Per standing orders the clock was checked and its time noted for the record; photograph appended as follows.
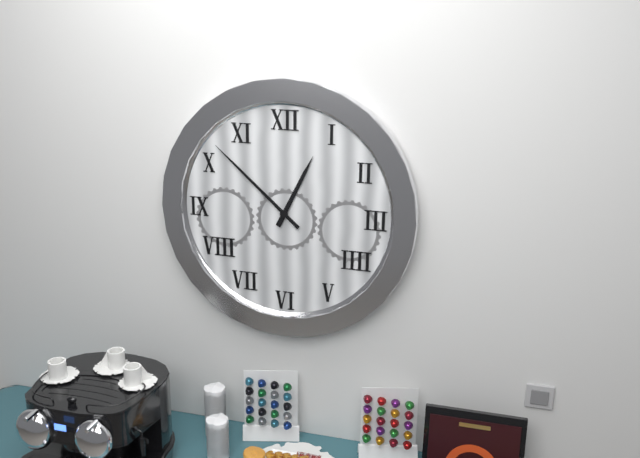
12:52
